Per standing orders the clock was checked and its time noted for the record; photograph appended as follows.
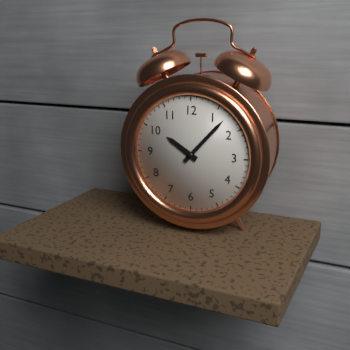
10:07
